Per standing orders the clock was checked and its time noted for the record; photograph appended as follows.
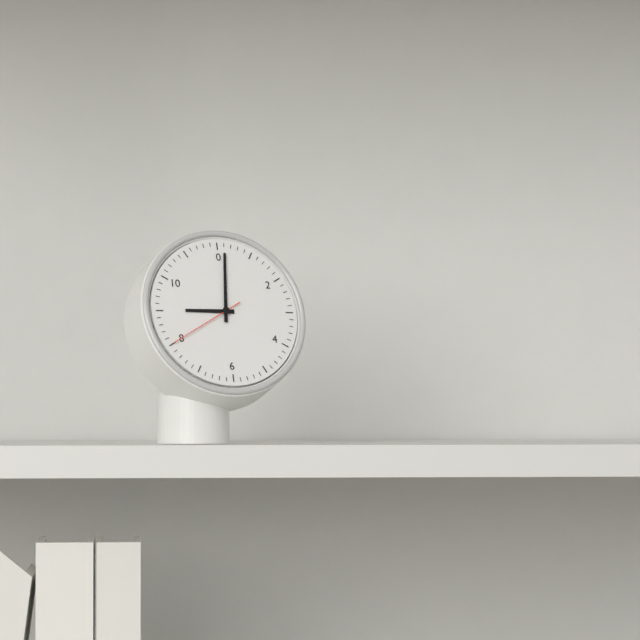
9:01:40
